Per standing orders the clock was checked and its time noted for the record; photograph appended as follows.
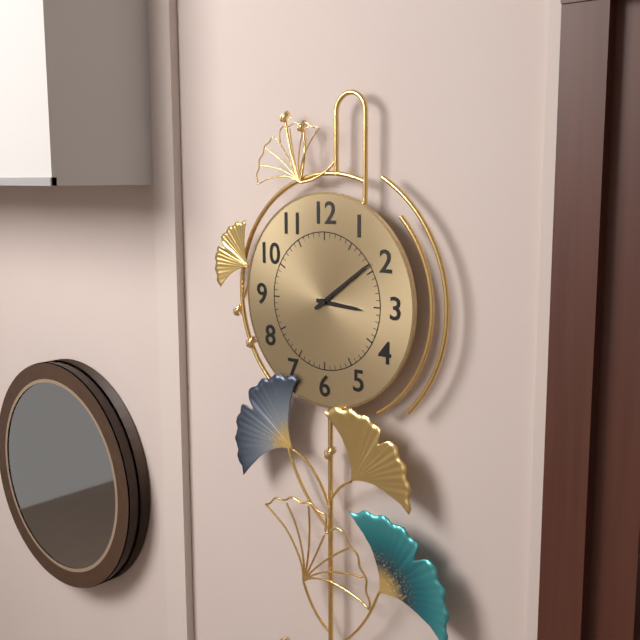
3:09
